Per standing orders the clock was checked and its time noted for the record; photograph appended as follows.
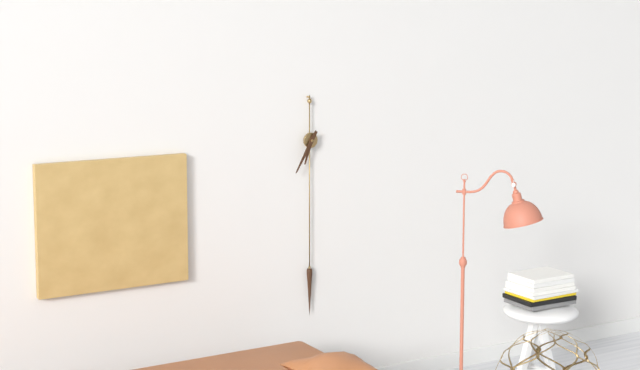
6:35
